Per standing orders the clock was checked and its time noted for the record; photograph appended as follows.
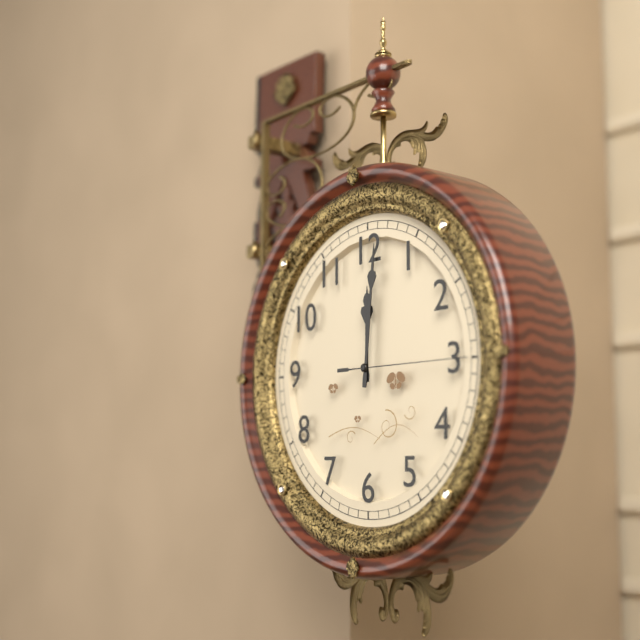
12:01:15
